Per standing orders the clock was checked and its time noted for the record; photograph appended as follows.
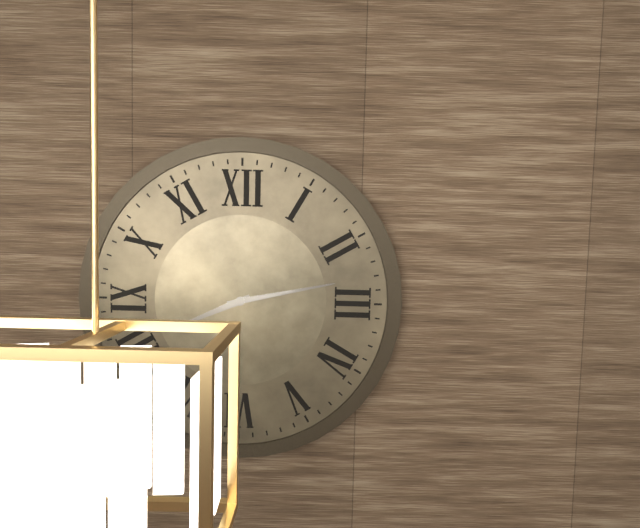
8:13
